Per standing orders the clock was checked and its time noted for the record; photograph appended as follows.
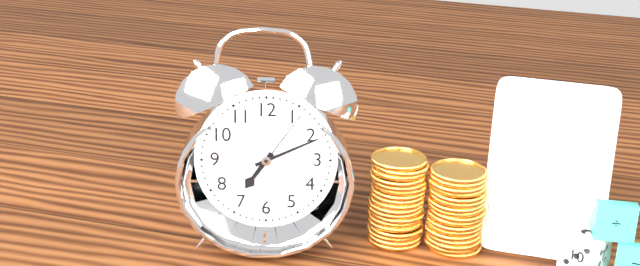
7:11:06
